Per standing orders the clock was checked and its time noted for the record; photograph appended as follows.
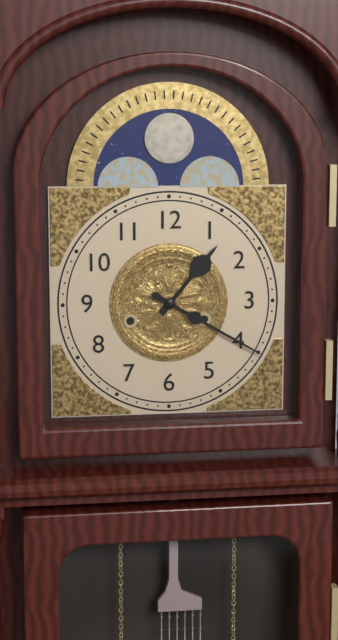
1:20
